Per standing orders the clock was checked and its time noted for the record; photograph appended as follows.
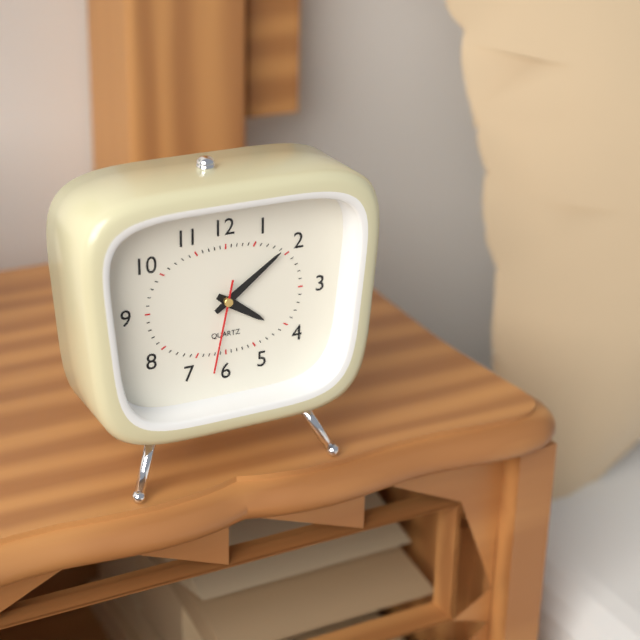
4:09:32
